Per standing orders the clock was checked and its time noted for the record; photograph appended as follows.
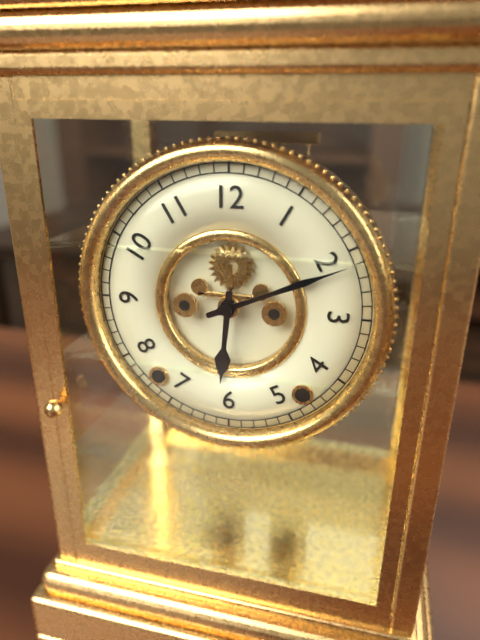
6:11
